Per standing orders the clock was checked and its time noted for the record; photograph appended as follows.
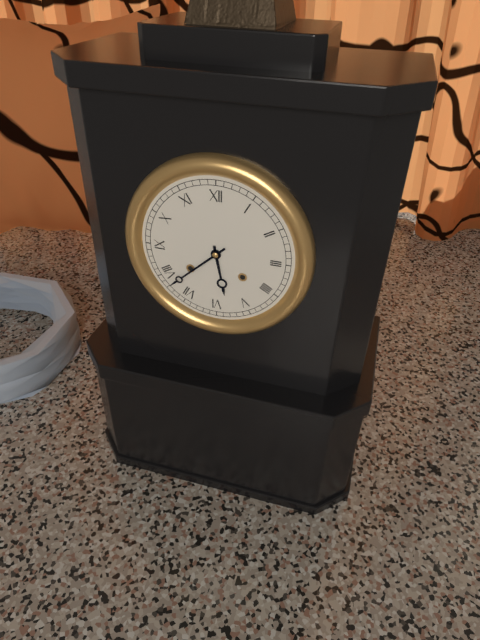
5:38
